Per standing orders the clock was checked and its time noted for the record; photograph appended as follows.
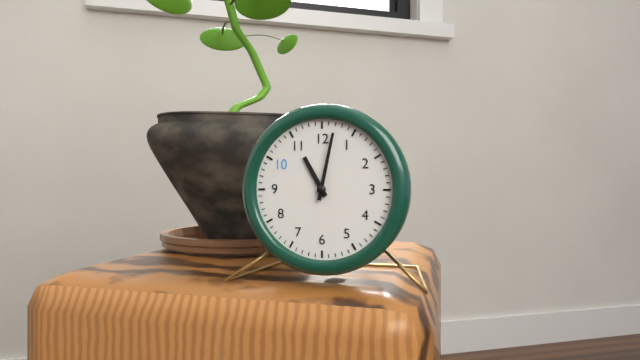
11:02
